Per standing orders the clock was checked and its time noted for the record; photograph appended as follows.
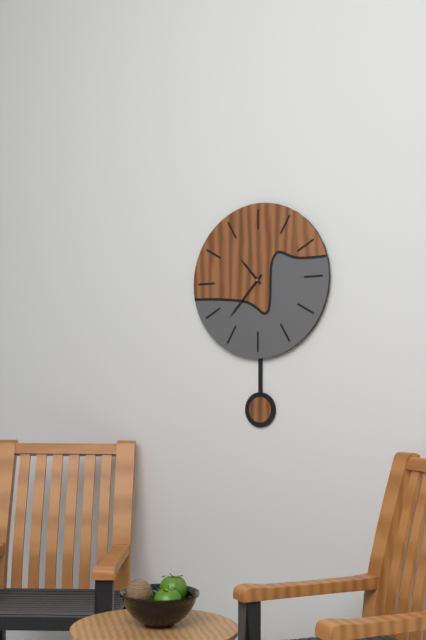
10:37
